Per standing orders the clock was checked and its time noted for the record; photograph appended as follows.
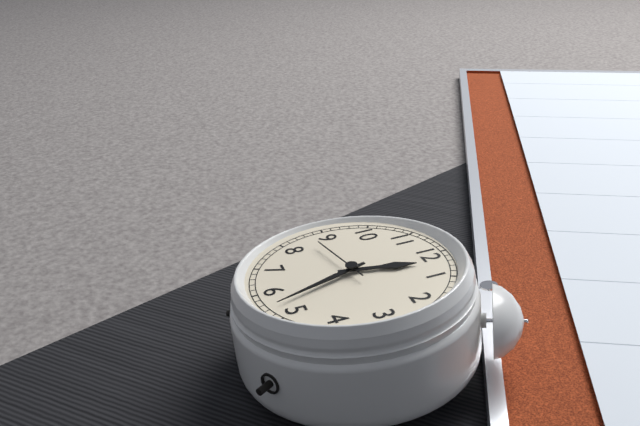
12:27:43
